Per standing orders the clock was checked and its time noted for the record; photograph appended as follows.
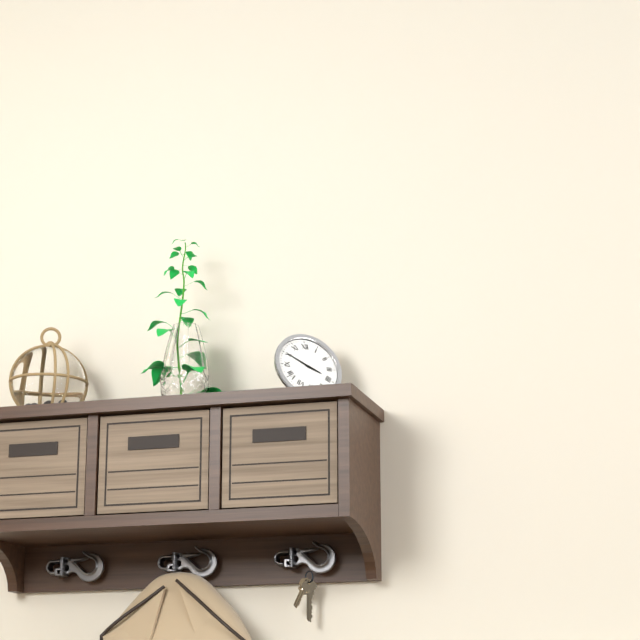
3:50
